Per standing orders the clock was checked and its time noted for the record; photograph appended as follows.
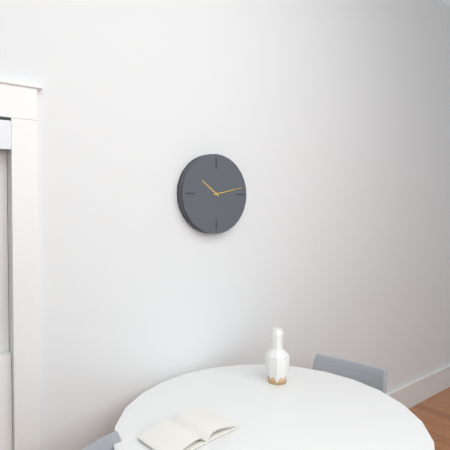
10:13
